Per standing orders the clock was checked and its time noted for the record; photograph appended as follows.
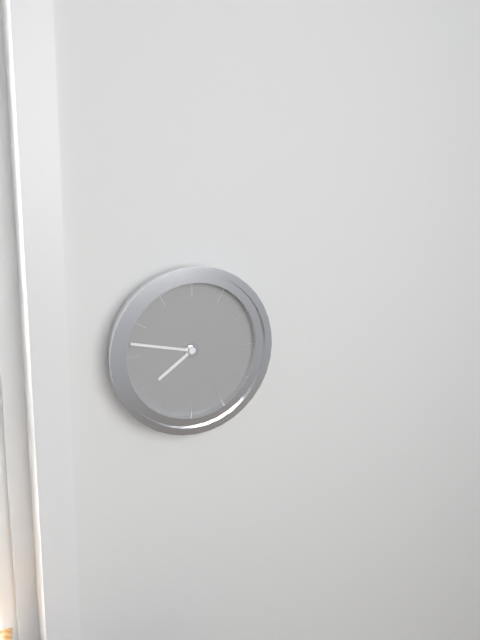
7:47
